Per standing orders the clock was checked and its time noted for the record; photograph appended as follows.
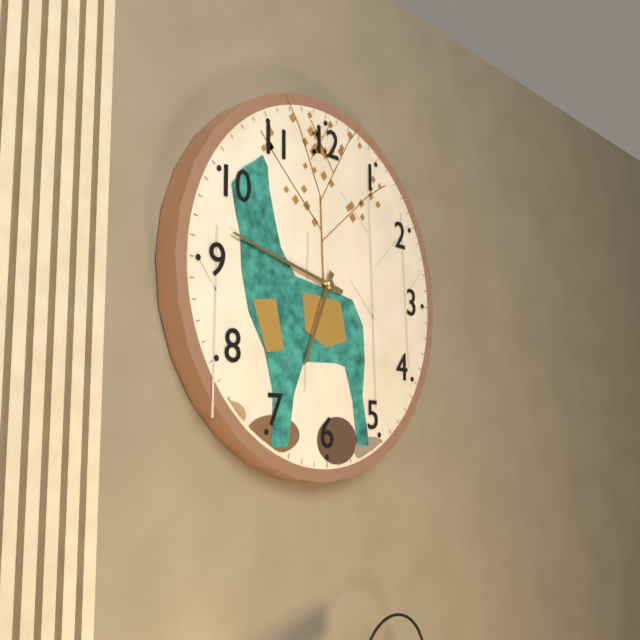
6:47
